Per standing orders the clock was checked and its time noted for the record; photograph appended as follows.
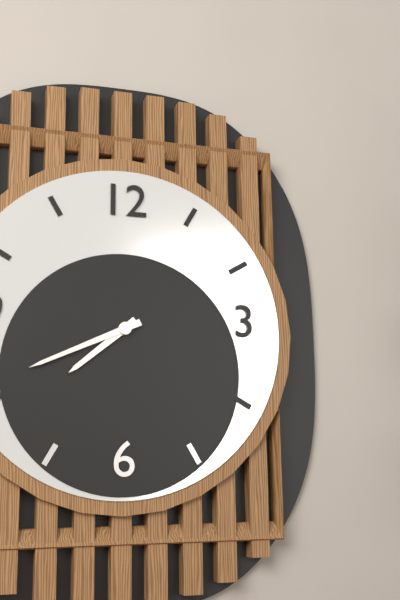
7:41
